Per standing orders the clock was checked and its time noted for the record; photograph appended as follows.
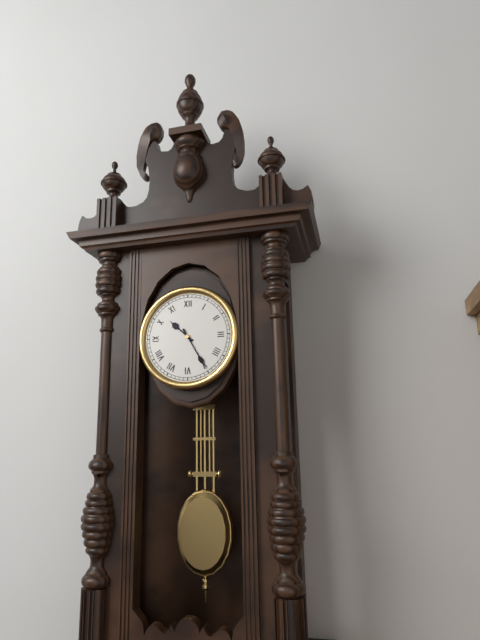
10:25
